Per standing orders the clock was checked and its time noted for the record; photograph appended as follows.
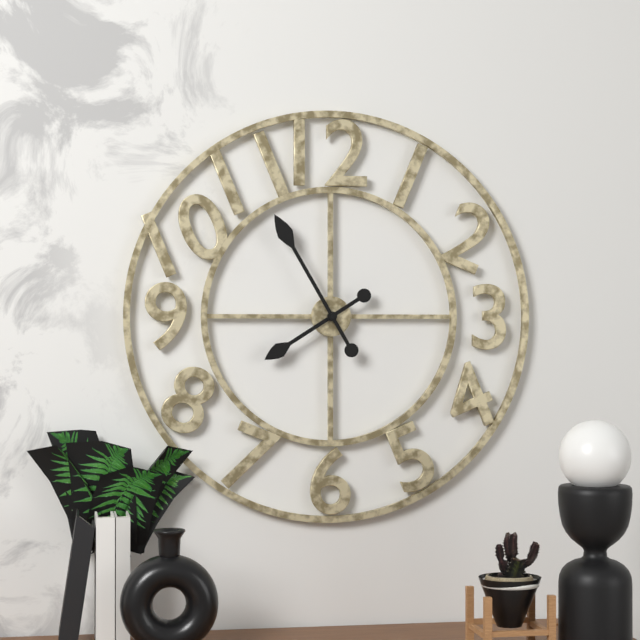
7:55
